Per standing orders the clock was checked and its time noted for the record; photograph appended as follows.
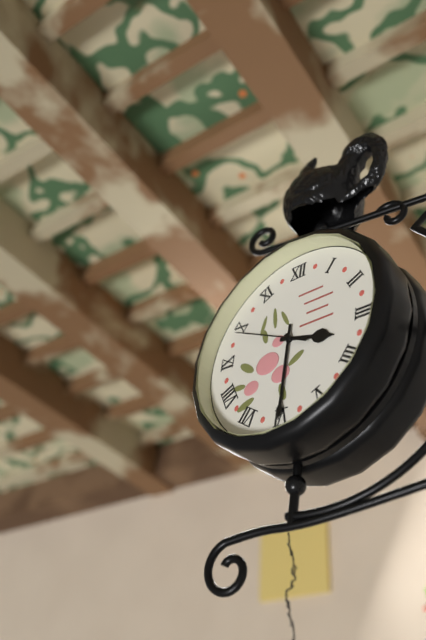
3:30:49
